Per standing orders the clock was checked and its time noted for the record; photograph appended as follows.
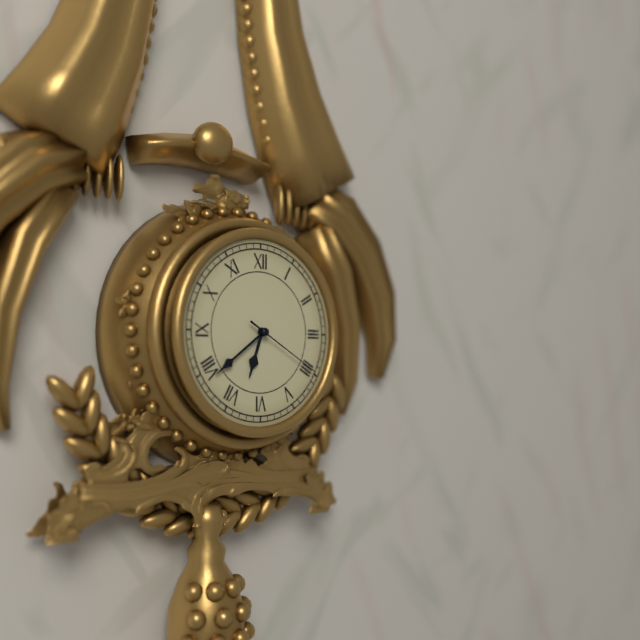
6:39:20
